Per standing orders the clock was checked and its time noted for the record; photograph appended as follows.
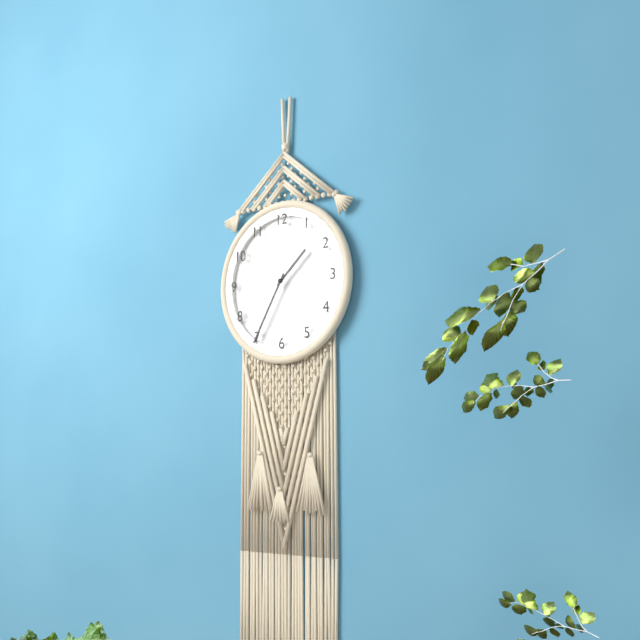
1:35
